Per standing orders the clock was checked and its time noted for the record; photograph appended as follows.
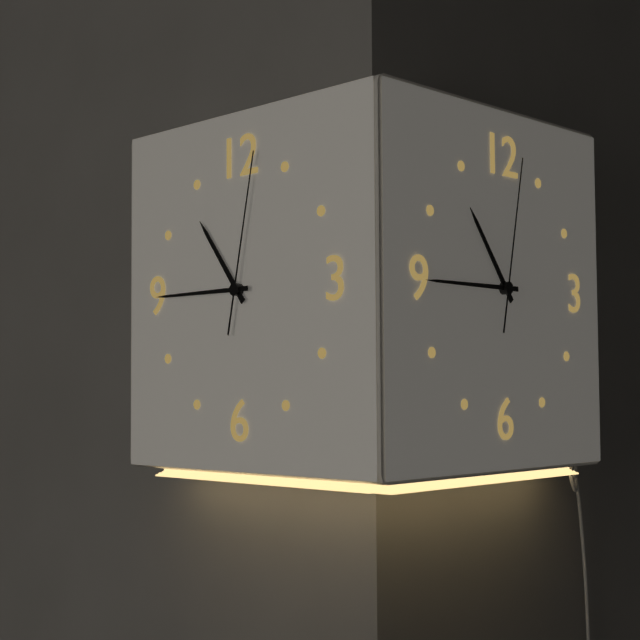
10:45:02
